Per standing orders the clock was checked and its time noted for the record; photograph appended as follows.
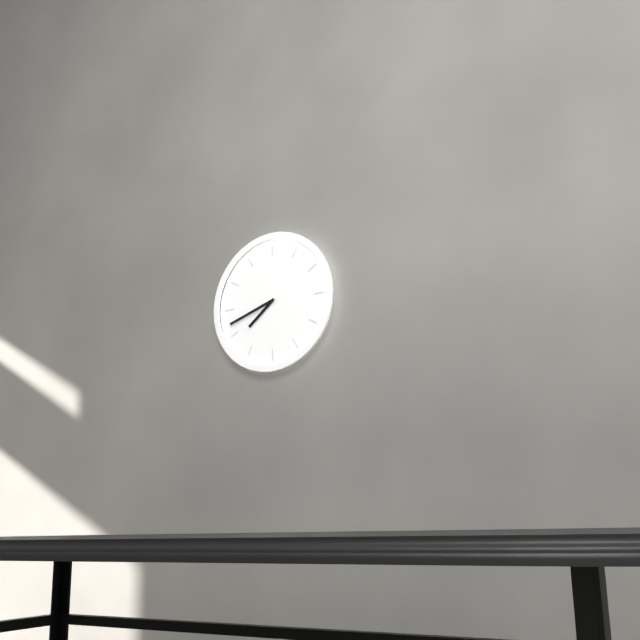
7:42
